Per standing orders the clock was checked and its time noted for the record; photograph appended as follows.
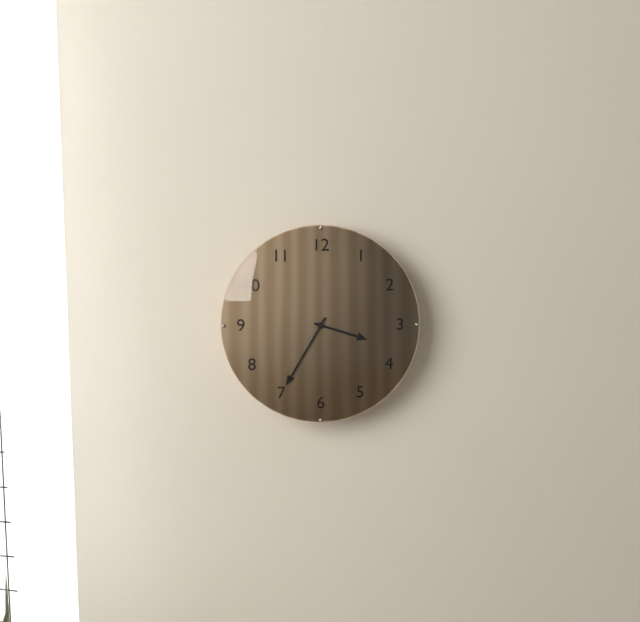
3:35
